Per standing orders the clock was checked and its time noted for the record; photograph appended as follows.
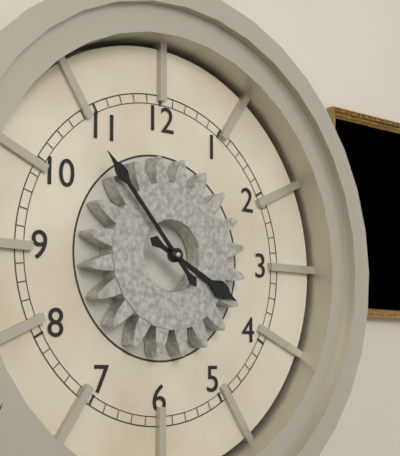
3:53
